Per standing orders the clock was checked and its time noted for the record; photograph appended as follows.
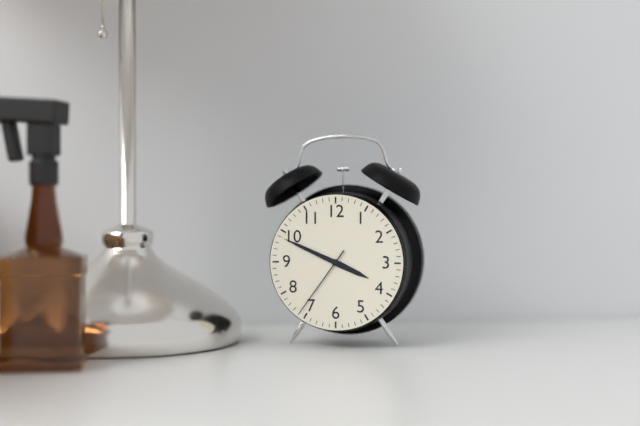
3:49:36
